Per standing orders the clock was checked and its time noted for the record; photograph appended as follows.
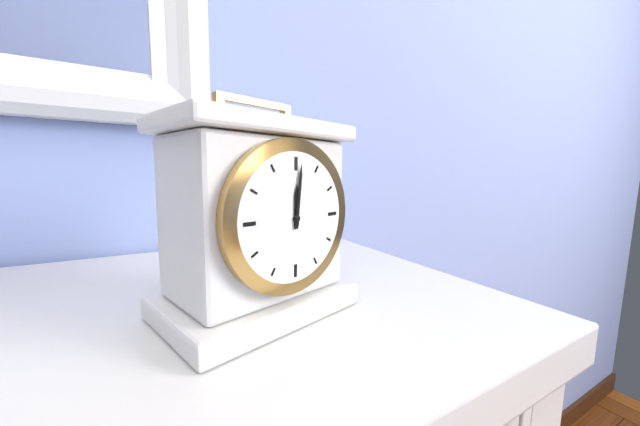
12:01
